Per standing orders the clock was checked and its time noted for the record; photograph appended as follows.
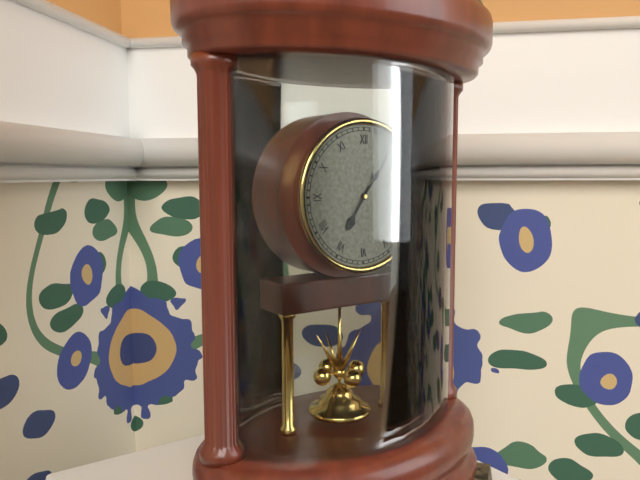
7:06
